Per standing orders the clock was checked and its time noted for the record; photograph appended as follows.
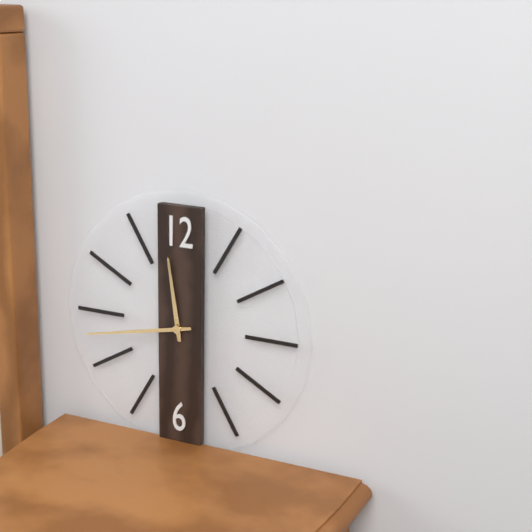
11:43
